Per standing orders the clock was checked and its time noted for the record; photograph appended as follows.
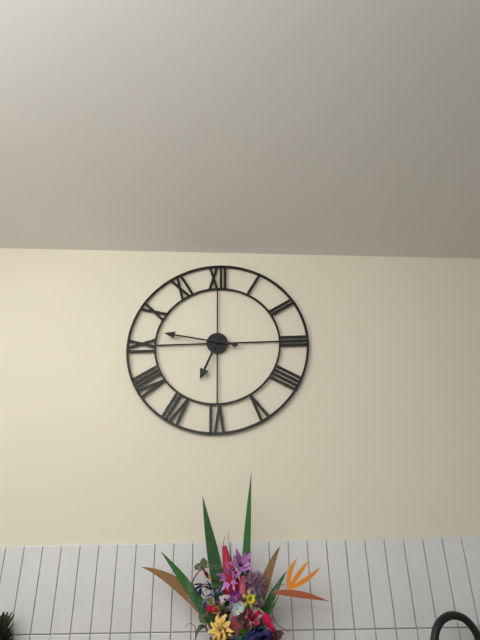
6:47
